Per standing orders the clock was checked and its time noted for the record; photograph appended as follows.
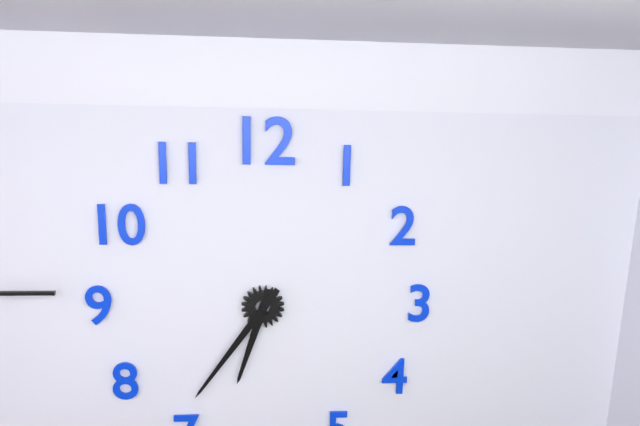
6:36
